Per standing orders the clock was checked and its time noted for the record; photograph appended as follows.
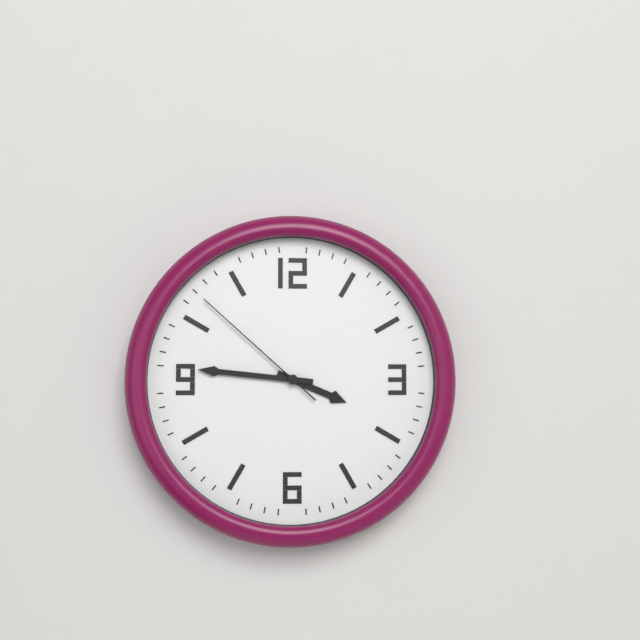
3:46:52
